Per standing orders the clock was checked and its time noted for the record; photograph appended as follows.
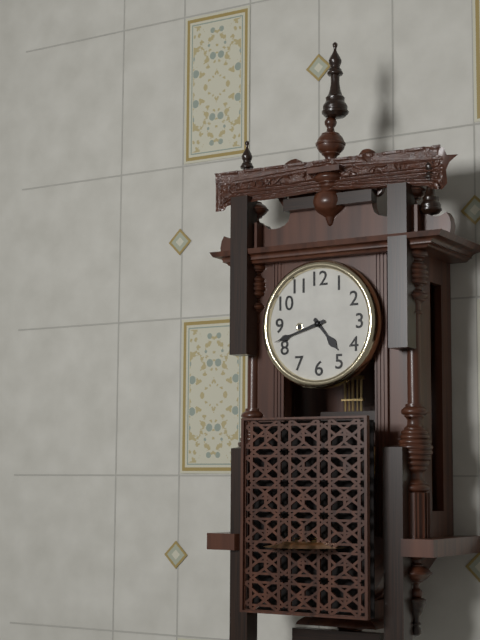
4:42
